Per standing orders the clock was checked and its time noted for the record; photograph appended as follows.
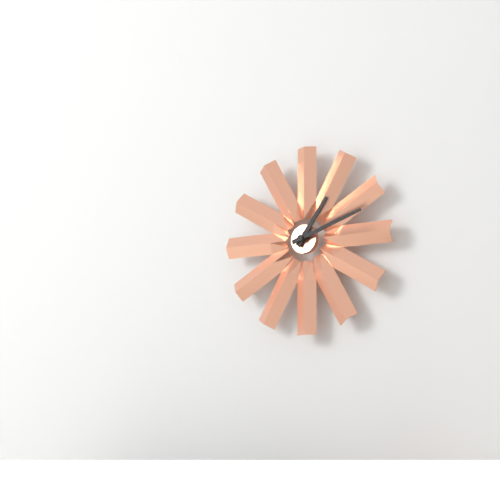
1:12
